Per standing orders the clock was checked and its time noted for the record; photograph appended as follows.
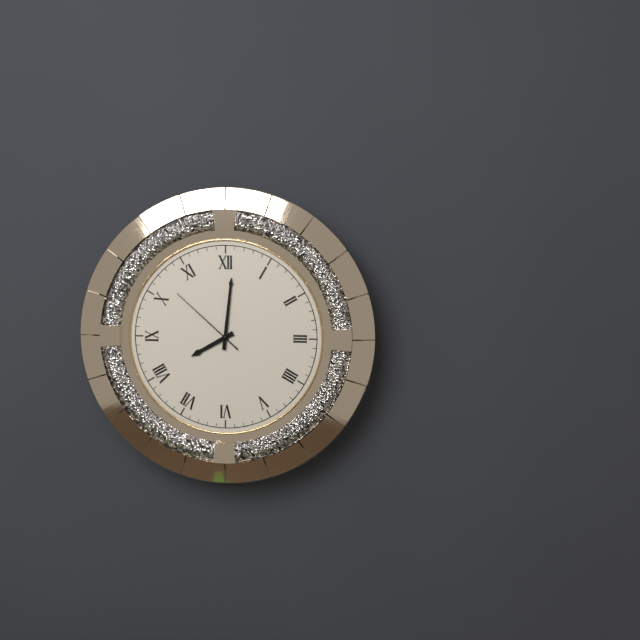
8:01:52
